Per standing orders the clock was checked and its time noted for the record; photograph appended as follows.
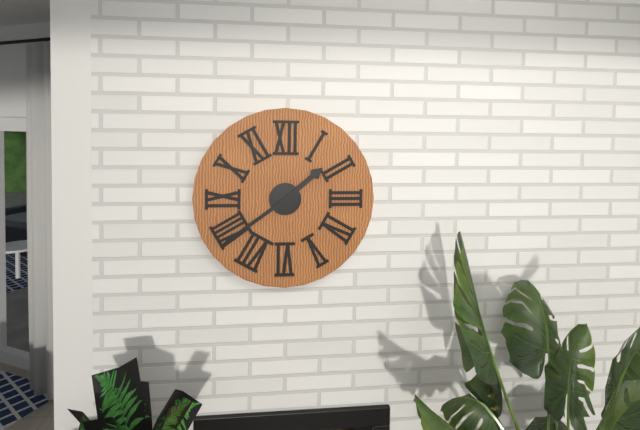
1:39
